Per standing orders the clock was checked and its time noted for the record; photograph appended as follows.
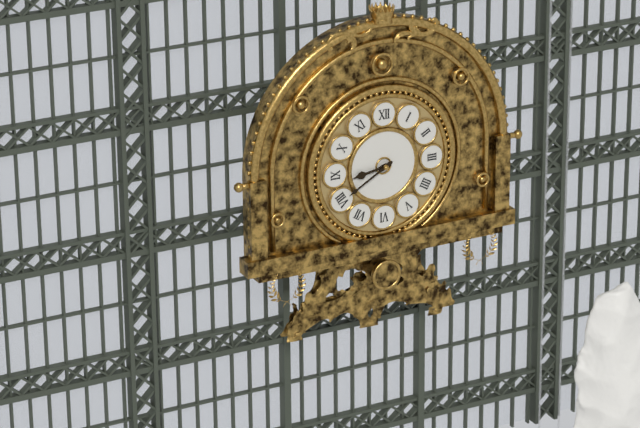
8:40
